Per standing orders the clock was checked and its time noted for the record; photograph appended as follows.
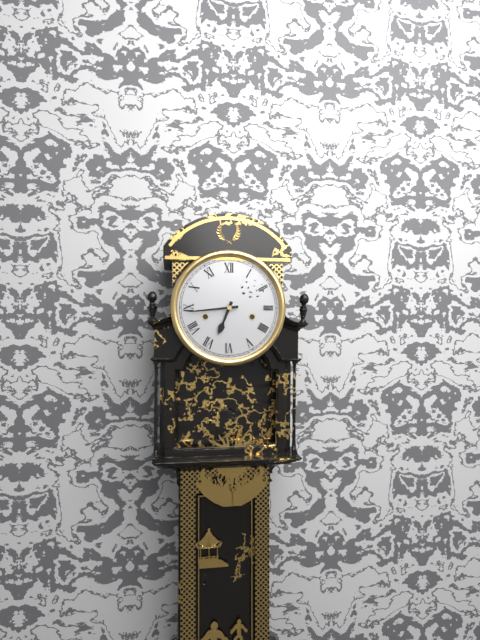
6:44
